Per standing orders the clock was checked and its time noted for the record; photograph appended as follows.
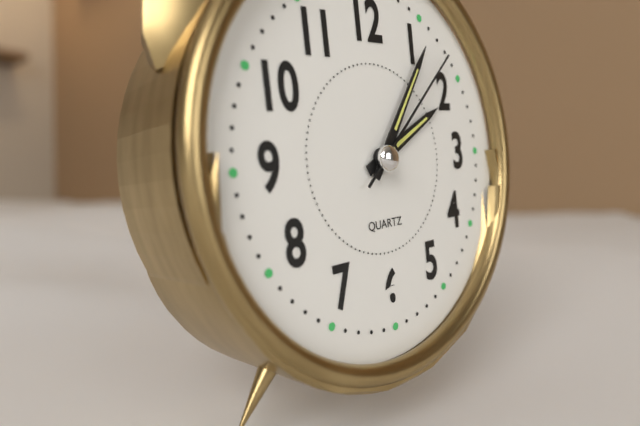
2:06:08
